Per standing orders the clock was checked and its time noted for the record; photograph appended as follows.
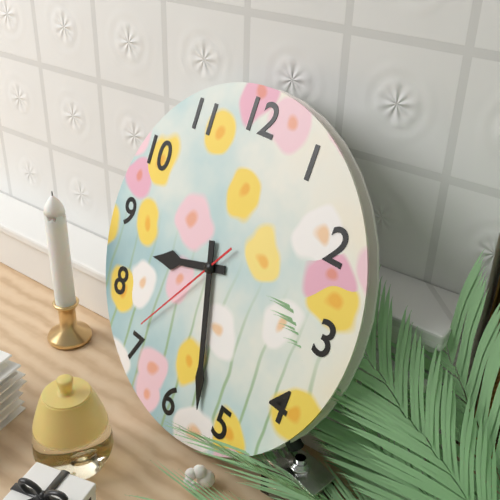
8:27:36
